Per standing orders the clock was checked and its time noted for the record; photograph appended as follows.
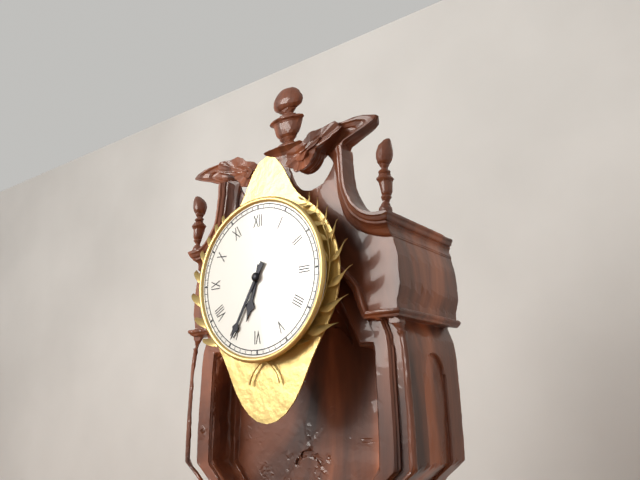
6:35
